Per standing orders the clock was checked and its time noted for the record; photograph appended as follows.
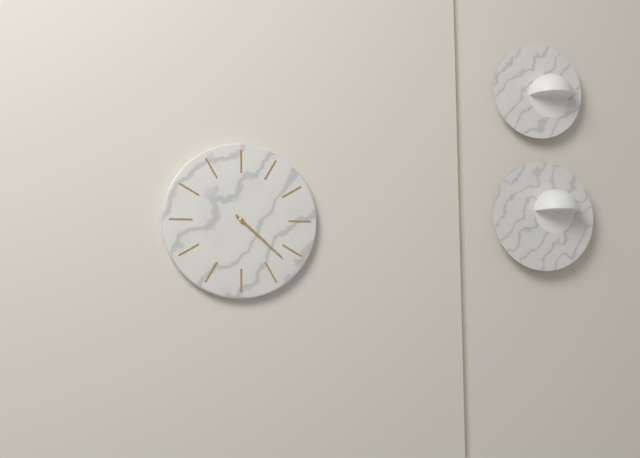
4:22
